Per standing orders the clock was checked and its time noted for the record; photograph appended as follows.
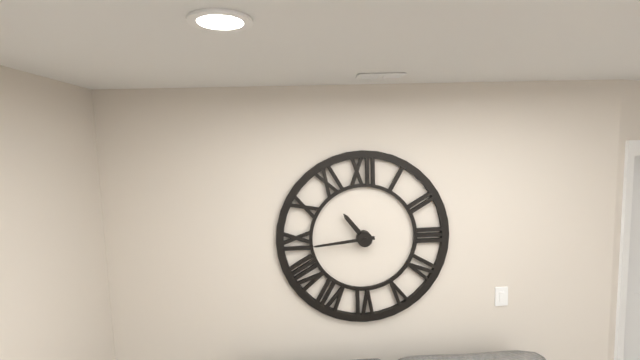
10:44
